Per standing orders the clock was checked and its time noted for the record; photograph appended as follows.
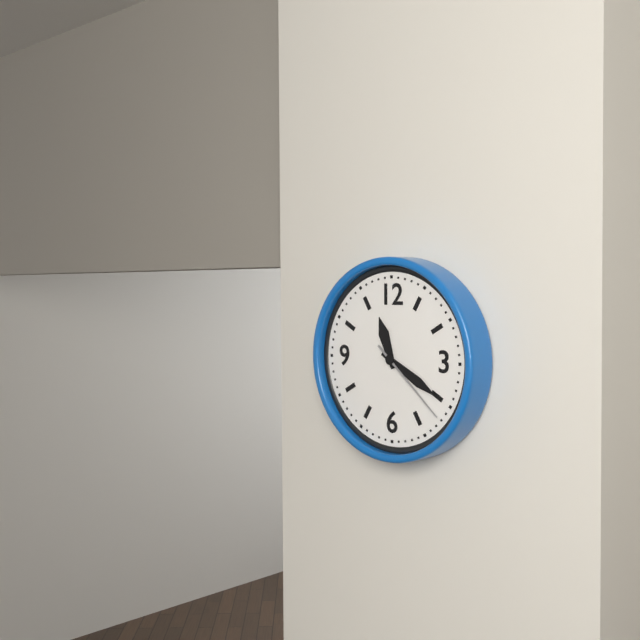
11:20:22
